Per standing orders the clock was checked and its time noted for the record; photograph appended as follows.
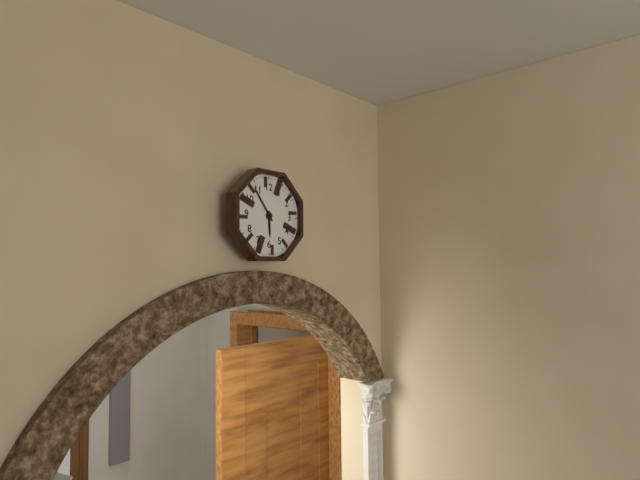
5:54
